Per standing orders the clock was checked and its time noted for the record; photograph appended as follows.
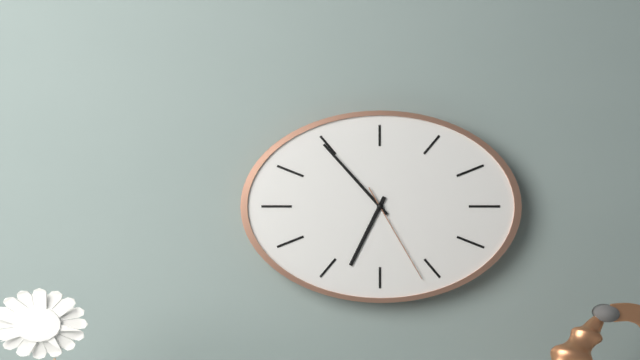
6:53:25
